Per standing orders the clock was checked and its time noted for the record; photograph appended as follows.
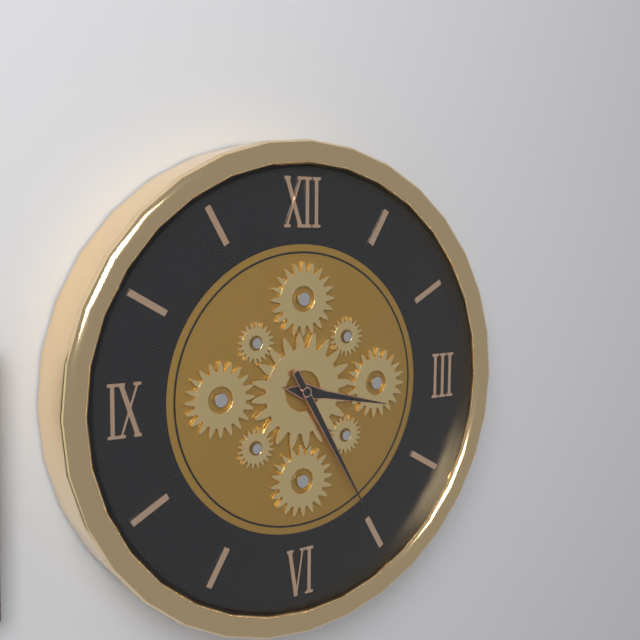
3:25
